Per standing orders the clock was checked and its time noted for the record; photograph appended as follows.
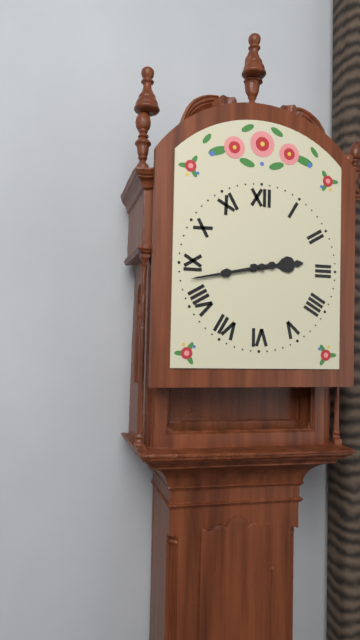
2:43
